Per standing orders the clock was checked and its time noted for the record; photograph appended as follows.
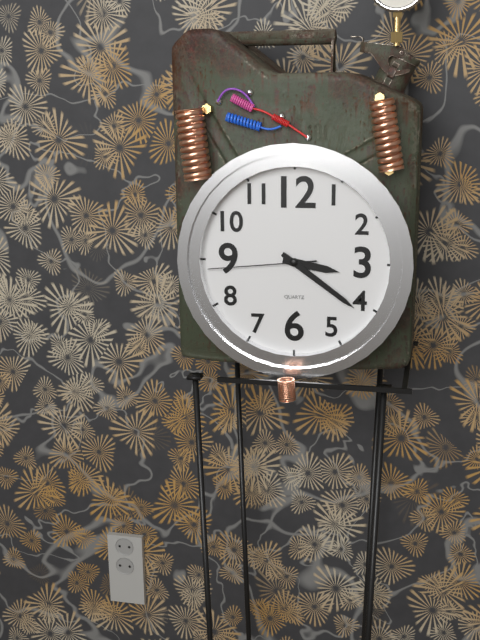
3:21:44
